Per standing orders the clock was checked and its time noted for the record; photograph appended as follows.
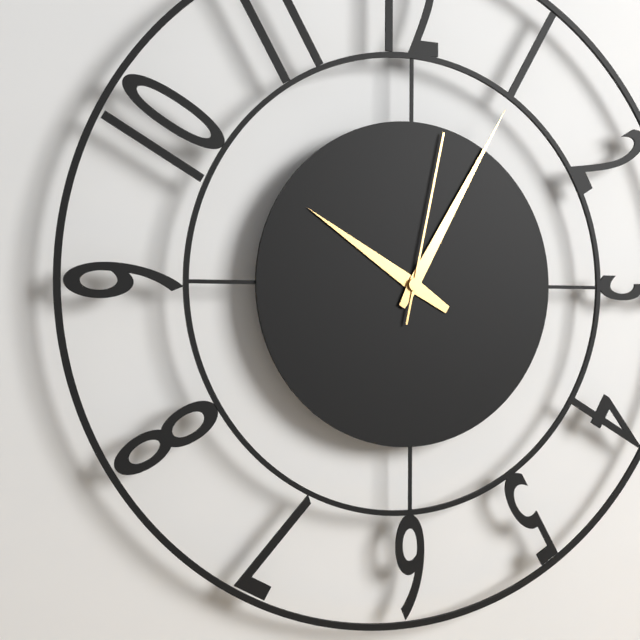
10:05:02
